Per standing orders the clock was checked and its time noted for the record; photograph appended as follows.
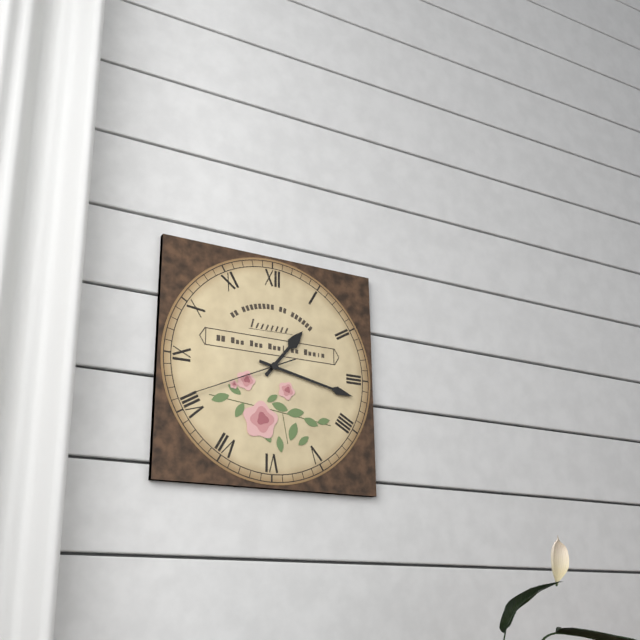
1:17:41
